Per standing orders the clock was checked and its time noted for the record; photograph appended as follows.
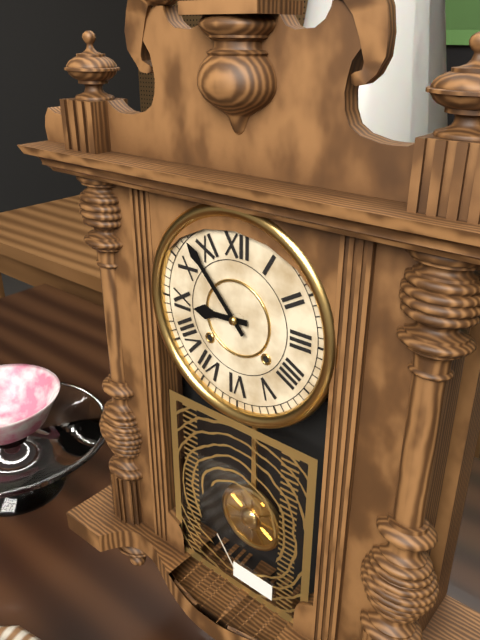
8:53
